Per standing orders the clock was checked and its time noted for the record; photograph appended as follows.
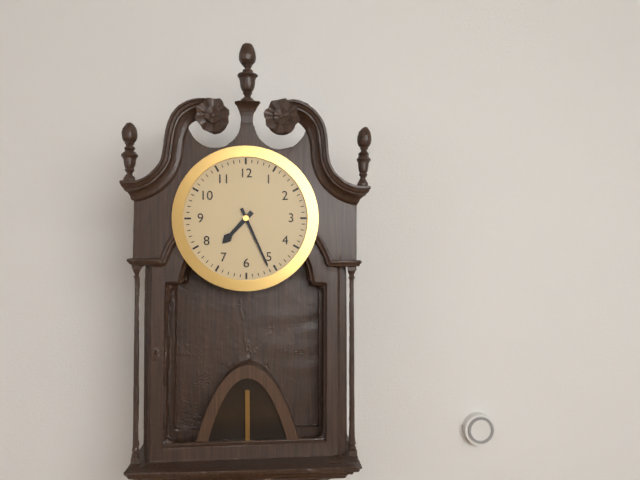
7:26
